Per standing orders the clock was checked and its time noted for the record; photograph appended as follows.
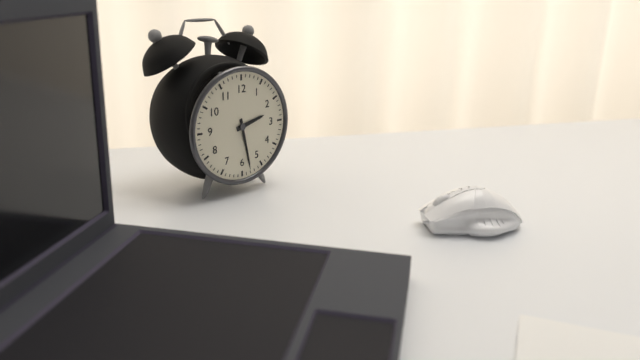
2:28
